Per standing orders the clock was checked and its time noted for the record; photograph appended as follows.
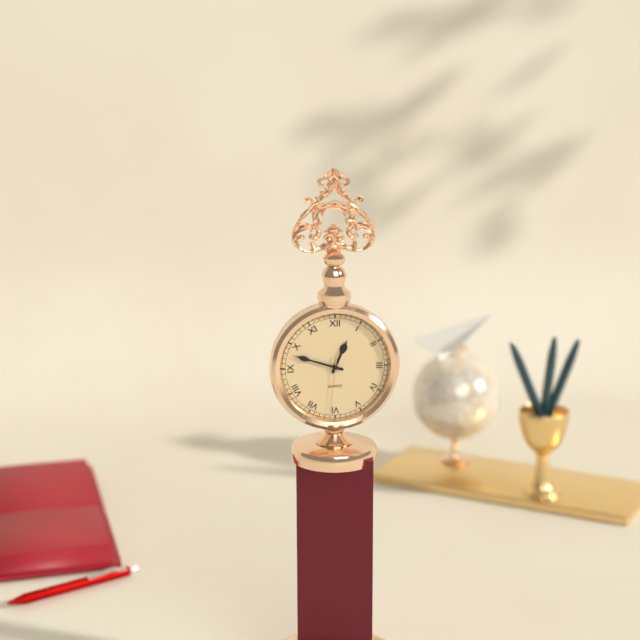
12:48:31
